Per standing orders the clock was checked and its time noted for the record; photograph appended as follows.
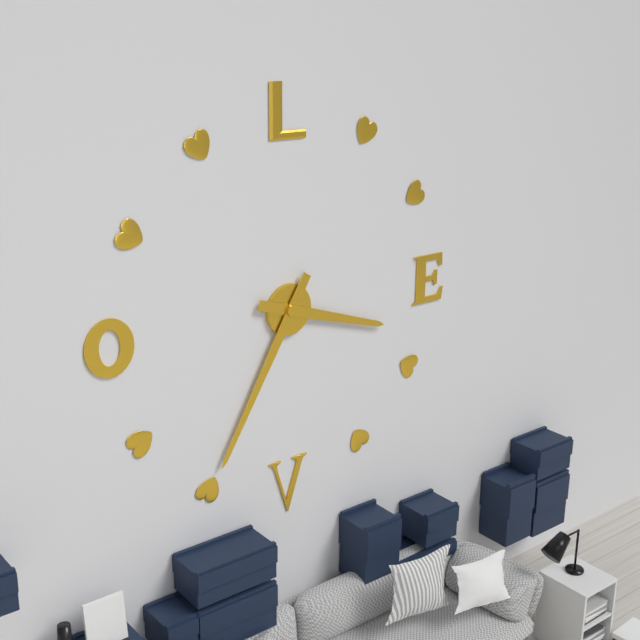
3:35
